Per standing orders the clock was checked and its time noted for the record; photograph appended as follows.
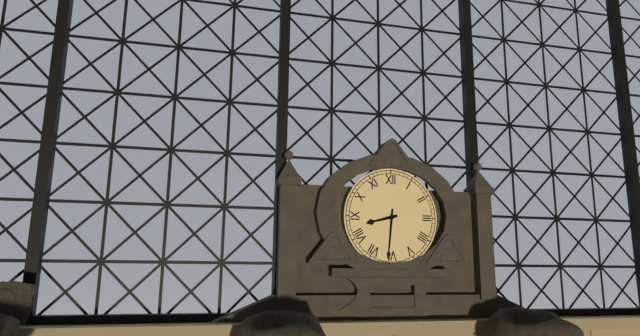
8:31
